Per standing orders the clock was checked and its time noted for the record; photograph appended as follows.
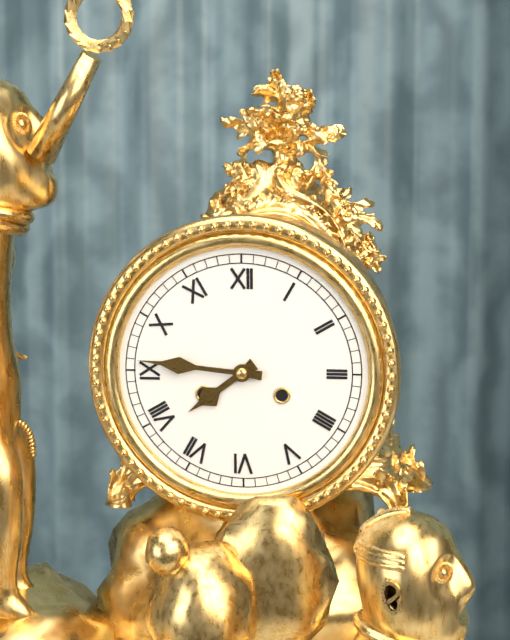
7:46
